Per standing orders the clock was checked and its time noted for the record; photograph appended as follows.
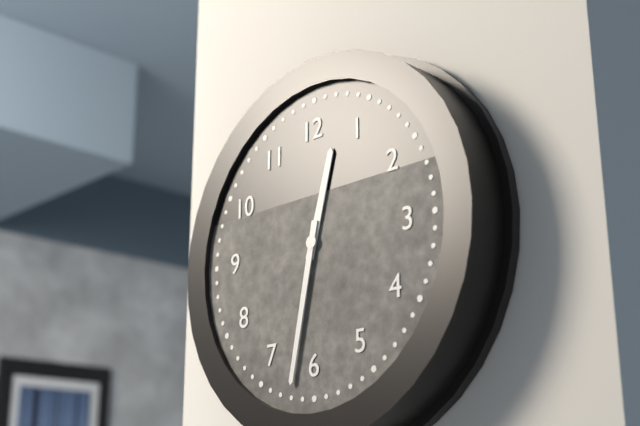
12:32
